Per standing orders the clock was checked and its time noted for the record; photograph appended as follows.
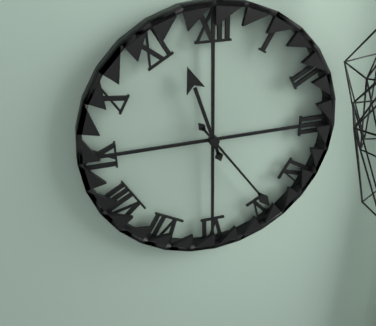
11:24
